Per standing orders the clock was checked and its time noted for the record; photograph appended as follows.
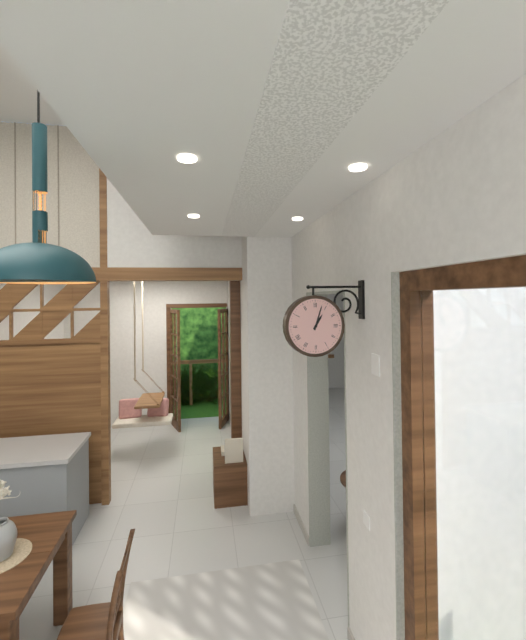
1:03
